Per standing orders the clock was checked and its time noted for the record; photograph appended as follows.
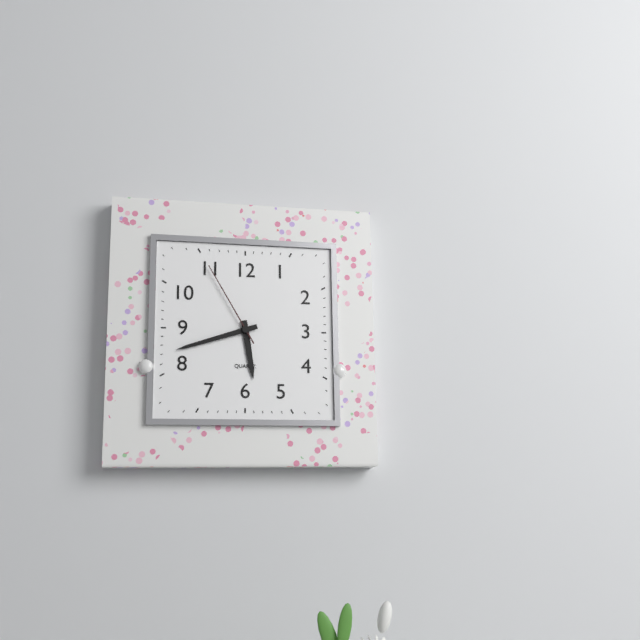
5:42:55
